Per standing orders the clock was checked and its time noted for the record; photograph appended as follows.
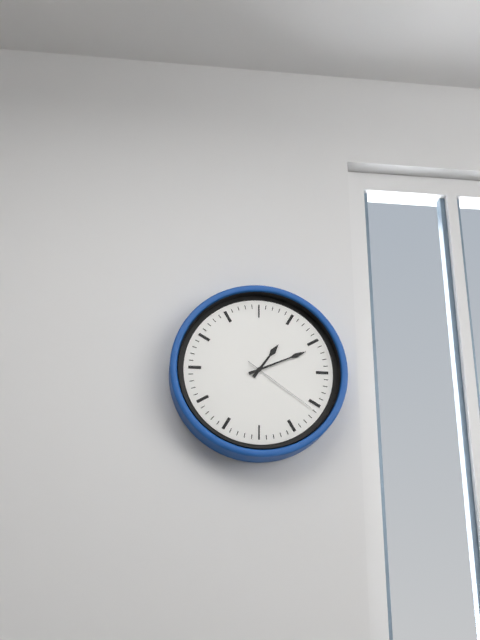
1:11:21
